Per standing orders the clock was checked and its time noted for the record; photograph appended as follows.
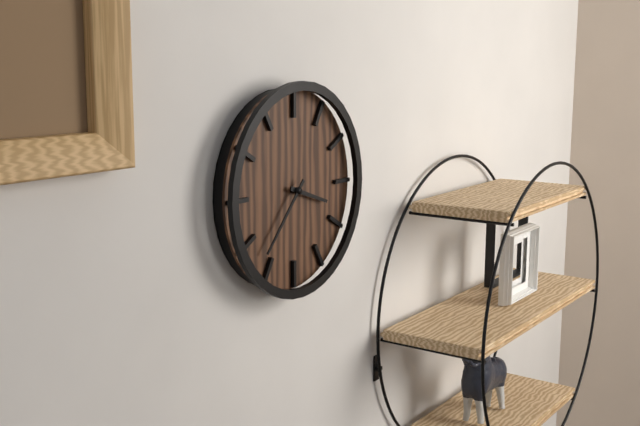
3:37
